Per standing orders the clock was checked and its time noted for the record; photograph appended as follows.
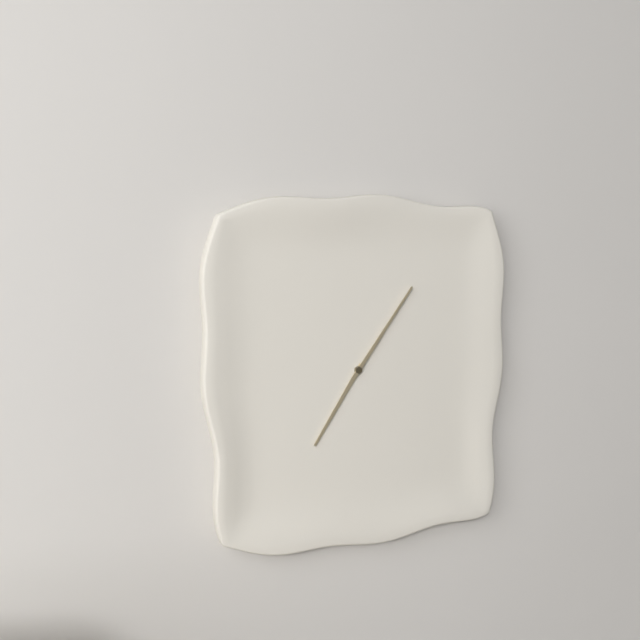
7:06
